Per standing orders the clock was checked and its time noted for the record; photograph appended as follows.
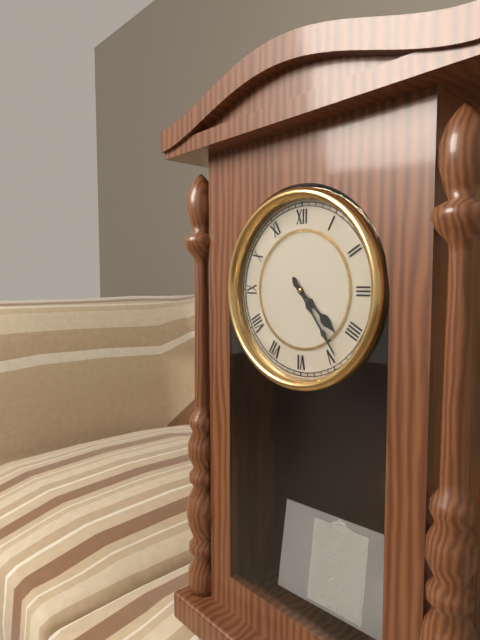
4:24
